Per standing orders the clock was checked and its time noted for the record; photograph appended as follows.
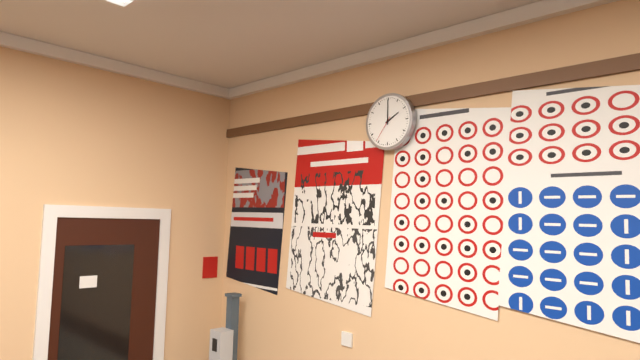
2:00
